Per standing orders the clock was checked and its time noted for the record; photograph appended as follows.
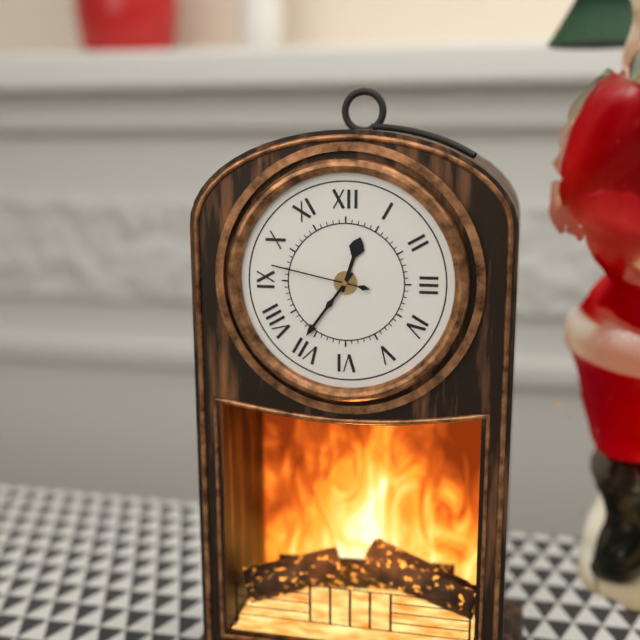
12:36:47
